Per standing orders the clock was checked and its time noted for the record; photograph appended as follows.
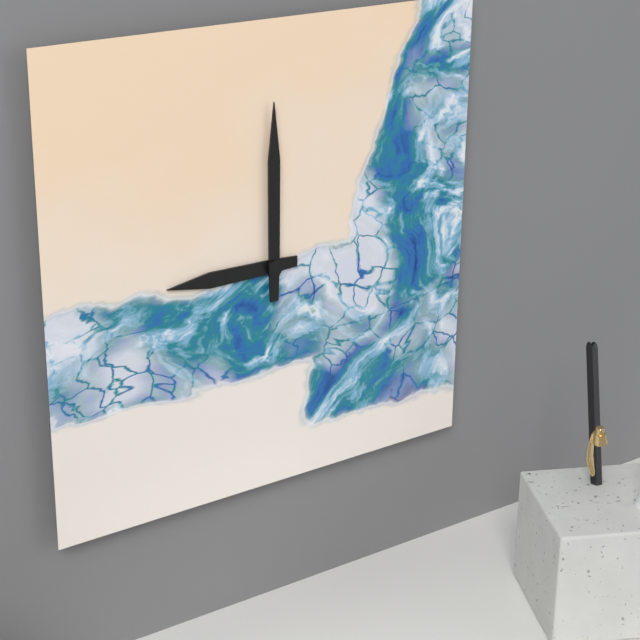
9:00
